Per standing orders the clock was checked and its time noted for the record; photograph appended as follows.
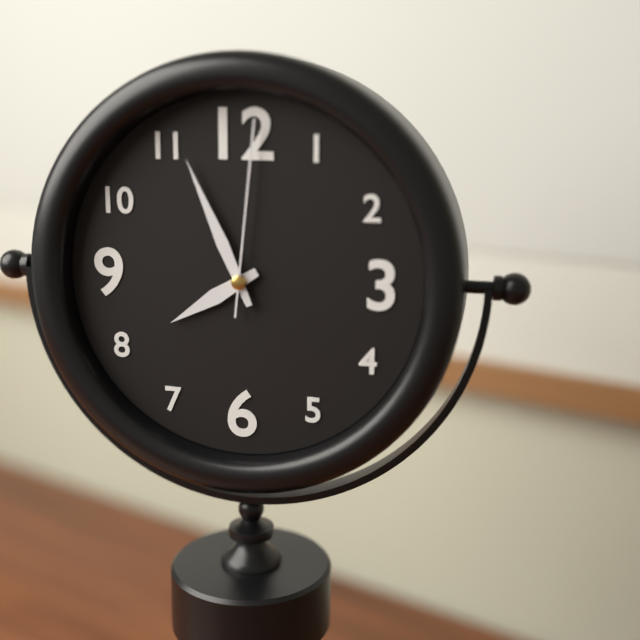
7:56:01
